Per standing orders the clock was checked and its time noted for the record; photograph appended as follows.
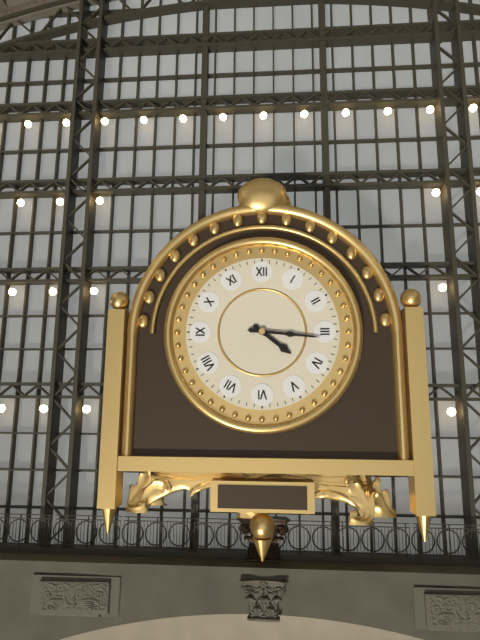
4:16
